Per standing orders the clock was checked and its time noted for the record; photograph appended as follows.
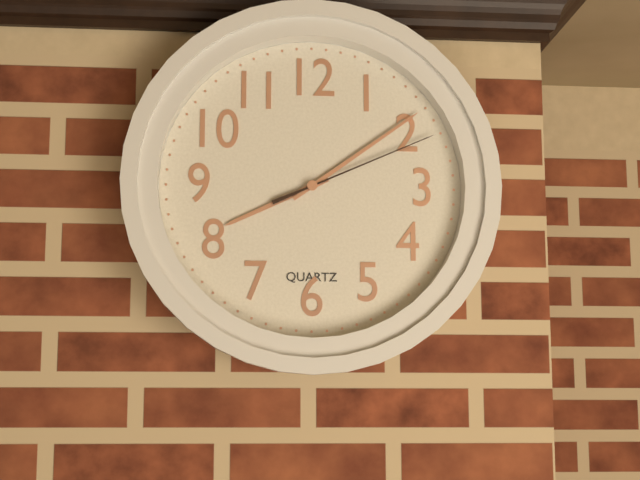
8:09:11
